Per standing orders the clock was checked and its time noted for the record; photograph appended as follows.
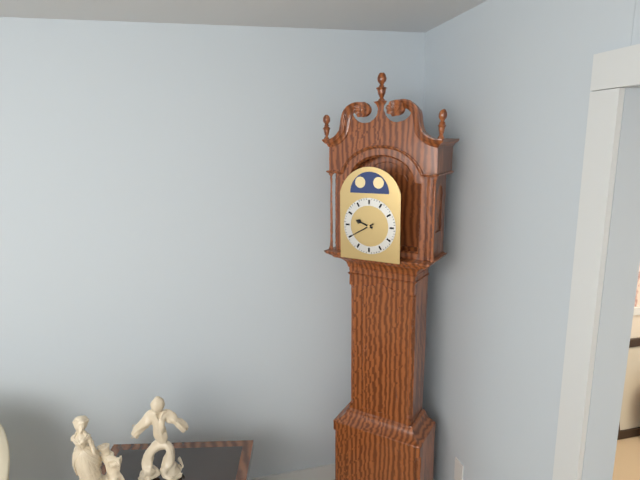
9:40
